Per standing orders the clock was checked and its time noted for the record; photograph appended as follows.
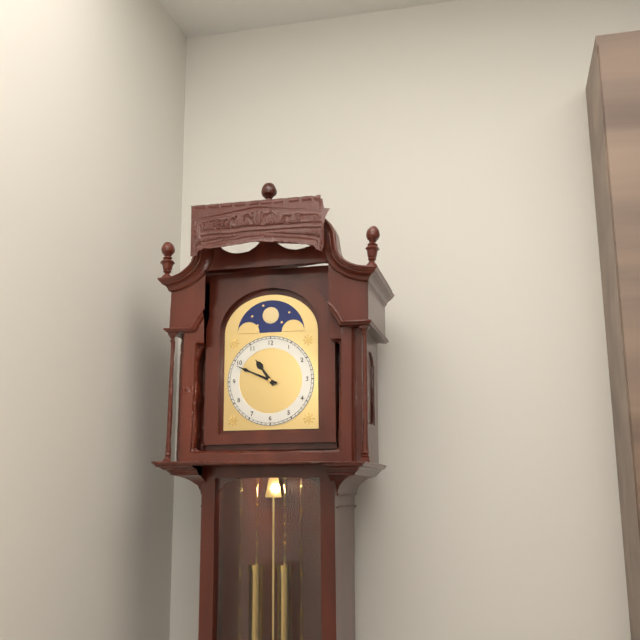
10:49
